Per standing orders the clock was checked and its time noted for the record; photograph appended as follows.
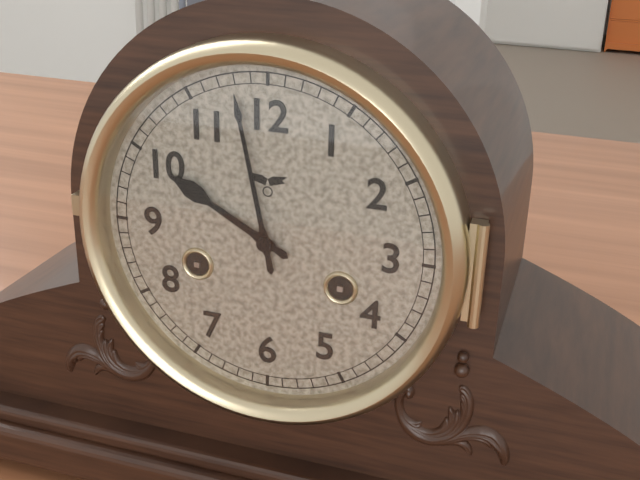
9:58
